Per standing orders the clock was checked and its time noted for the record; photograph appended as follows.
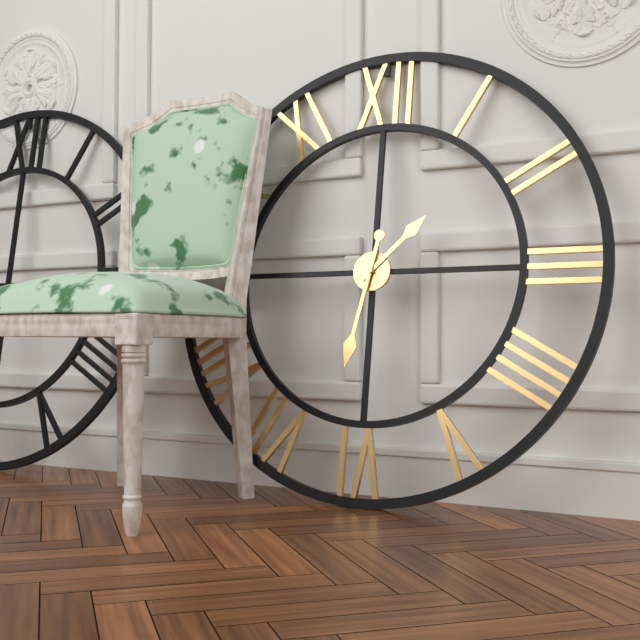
1:32
